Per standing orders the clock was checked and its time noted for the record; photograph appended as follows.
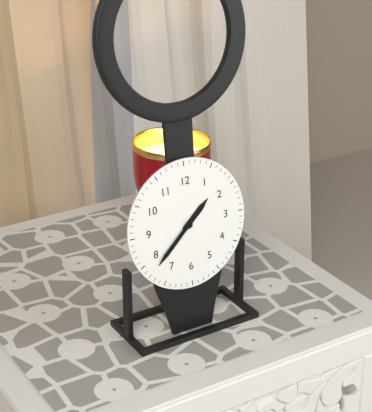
1:38
